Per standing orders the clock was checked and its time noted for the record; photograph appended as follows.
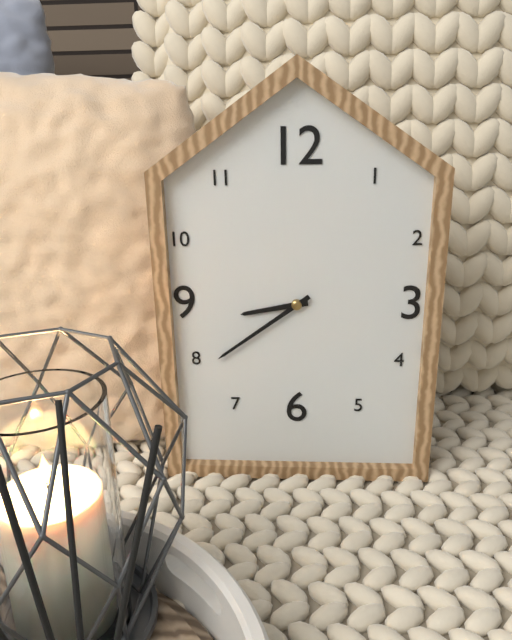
8:39
